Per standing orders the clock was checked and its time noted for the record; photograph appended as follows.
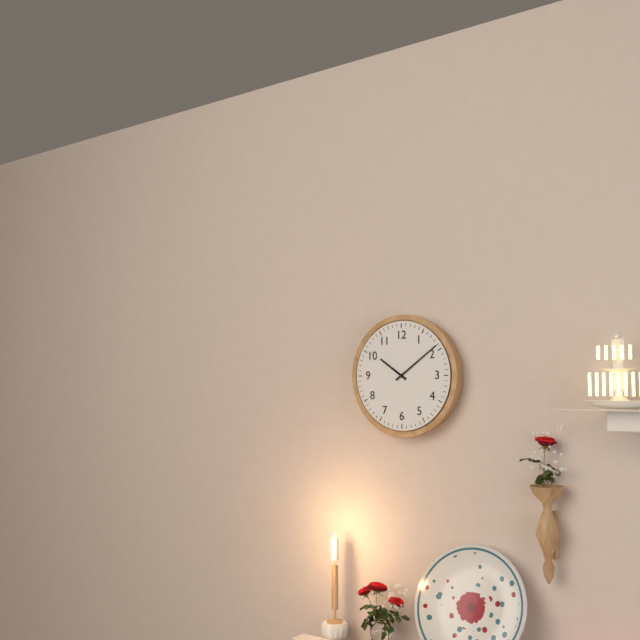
10:09
